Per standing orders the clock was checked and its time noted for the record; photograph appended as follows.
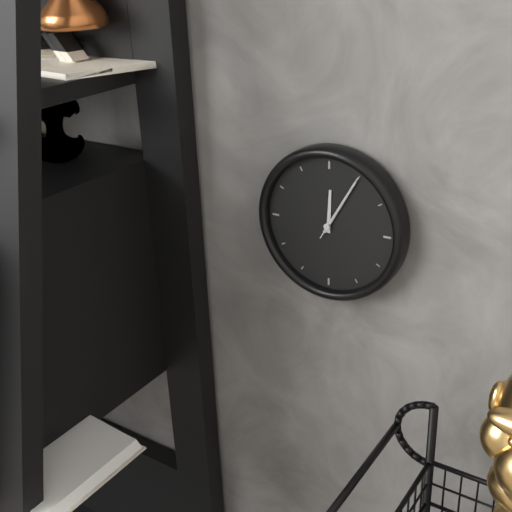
12:05:05
